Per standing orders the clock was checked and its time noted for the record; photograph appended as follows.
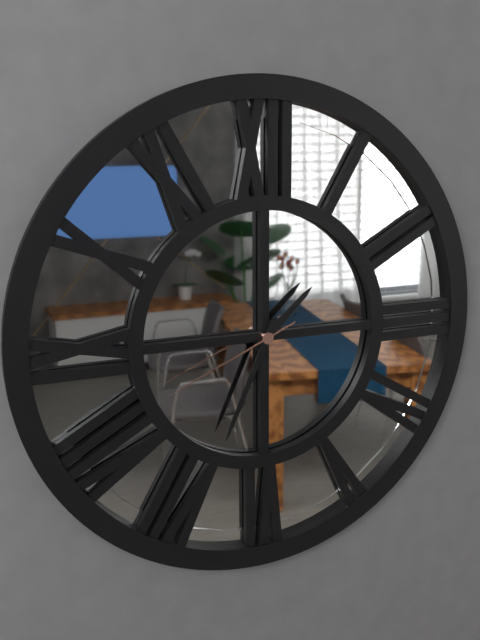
1:34:41
